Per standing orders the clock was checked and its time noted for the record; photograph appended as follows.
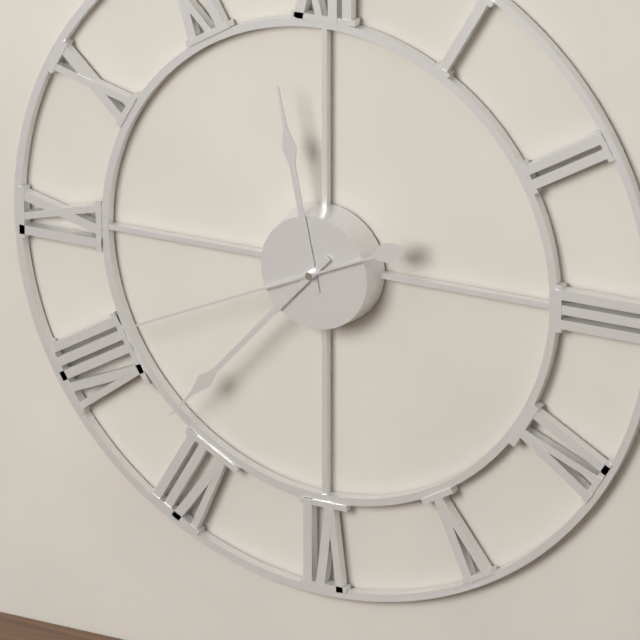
11:37:41
